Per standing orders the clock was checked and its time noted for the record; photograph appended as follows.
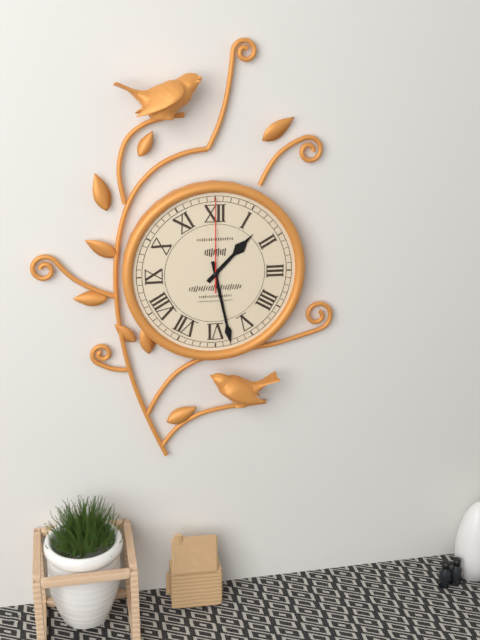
1:28:00
